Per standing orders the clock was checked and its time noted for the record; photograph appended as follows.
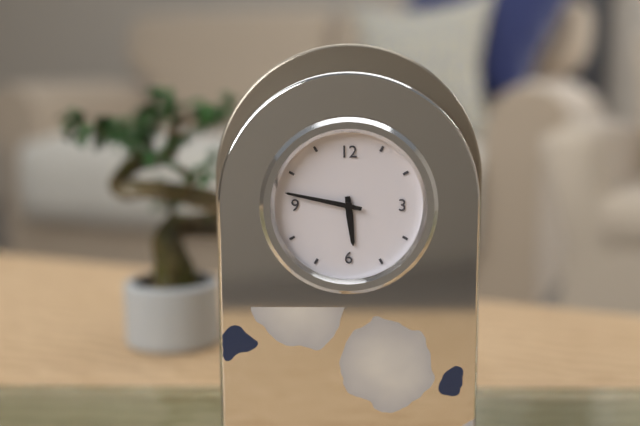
5:47
